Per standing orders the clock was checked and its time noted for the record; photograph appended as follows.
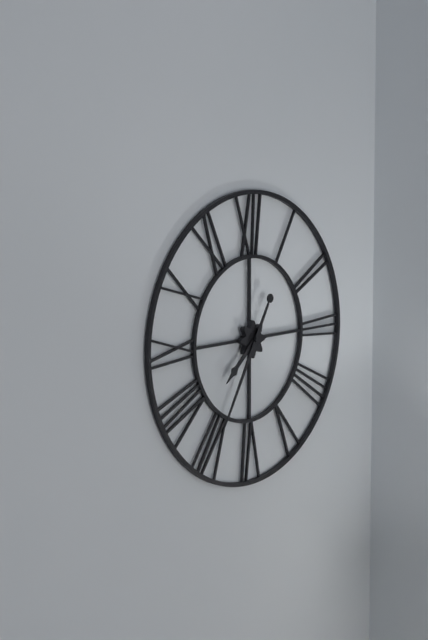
7:35
